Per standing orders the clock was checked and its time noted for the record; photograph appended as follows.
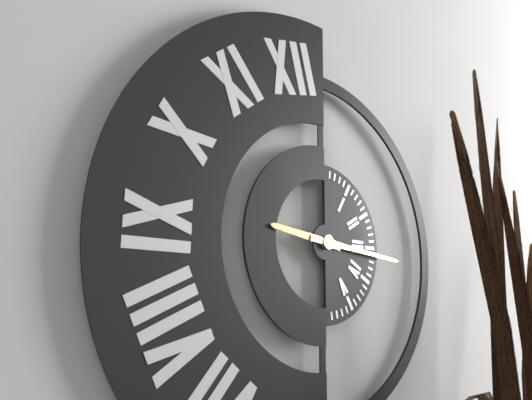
9:16
